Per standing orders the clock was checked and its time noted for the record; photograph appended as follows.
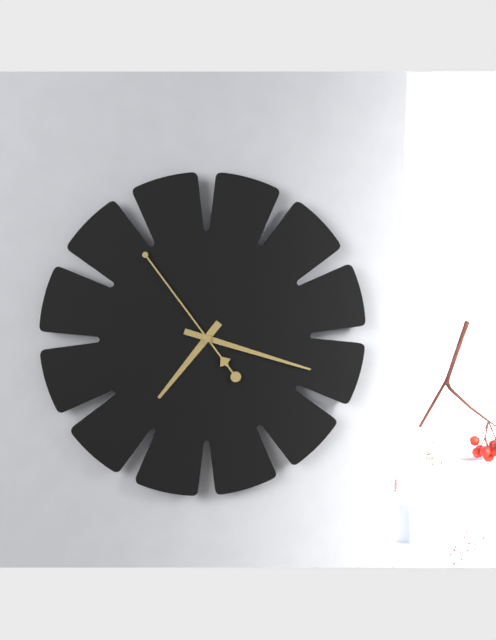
7:18:54
